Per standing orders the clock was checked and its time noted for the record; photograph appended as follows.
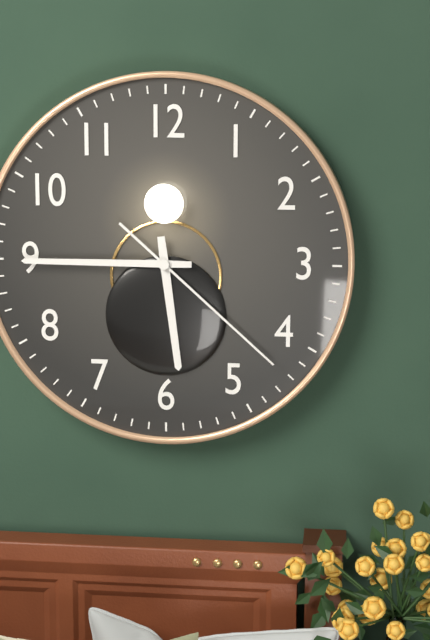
5:45:22
